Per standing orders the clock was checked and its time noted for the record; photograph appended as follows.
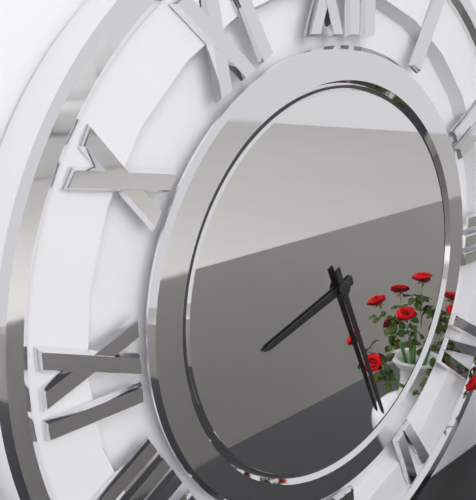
8:26
